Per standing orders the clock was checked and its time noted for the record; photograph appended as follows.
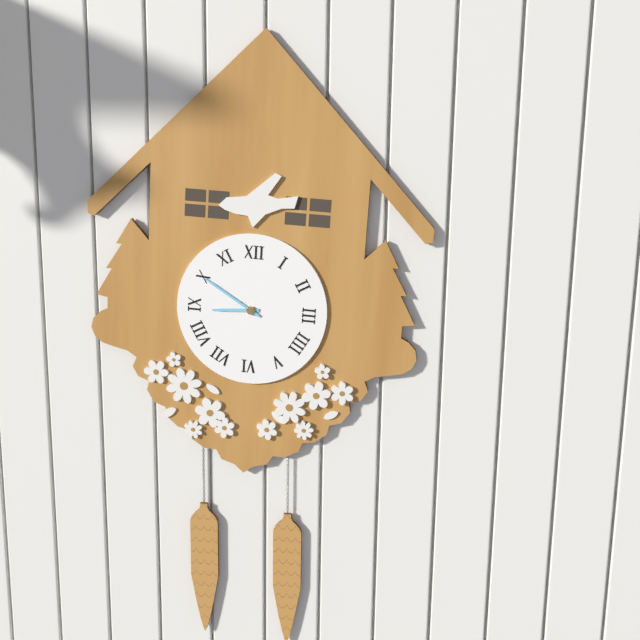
8:50
